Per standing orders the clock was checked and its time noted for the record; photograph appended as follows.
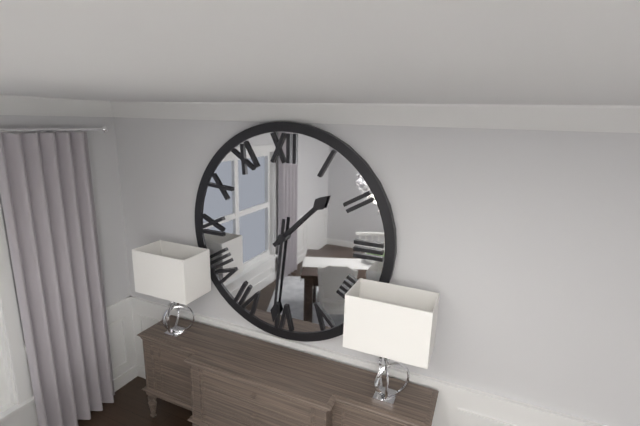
1:31
